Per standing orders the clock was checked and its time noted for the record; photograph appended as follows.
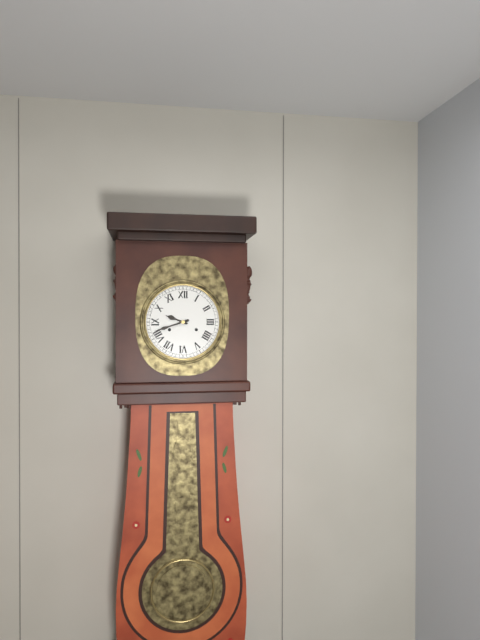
9:42
